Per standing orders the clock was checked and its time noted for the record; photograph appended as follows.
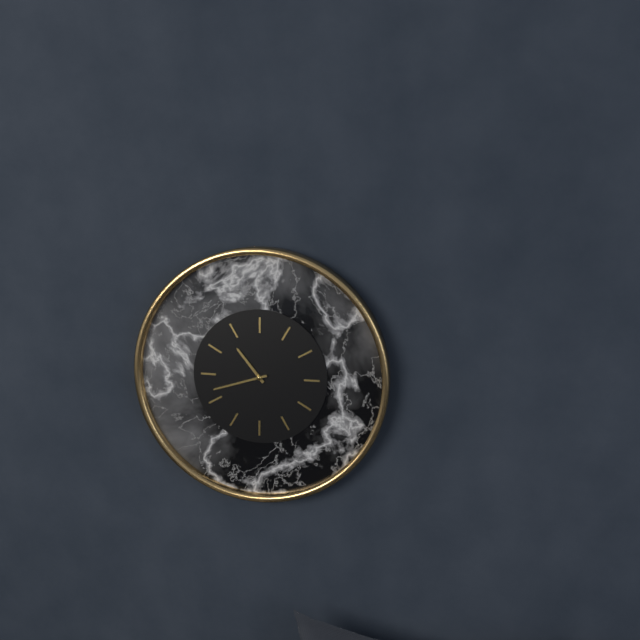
10:42
